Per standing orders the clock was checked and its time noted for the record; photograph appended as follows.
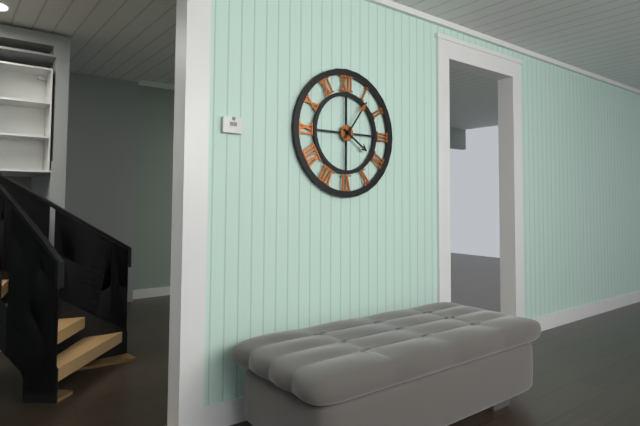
4:06
